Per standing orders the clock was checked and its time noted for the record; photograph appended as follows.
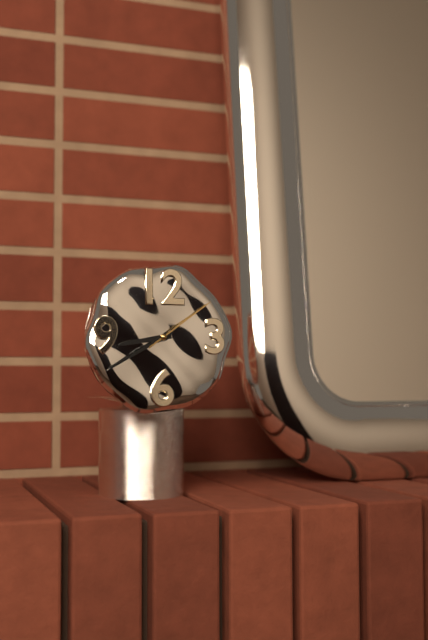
8:40:09
